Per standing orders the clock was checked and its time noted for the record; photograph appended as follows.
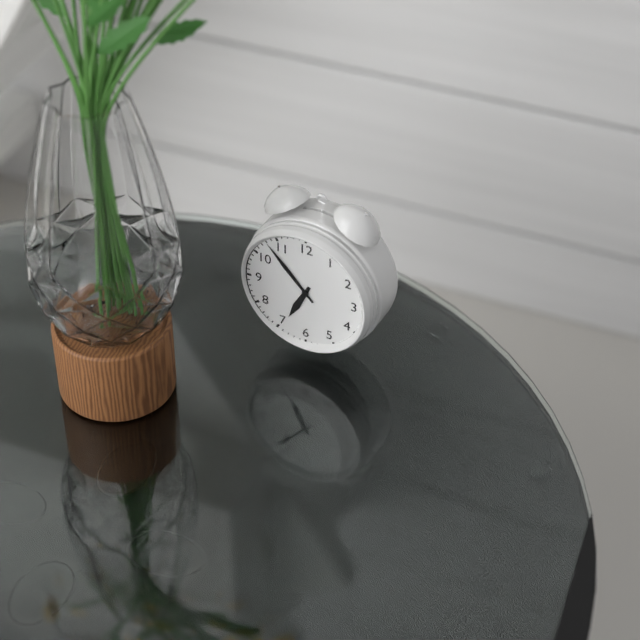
6:53
